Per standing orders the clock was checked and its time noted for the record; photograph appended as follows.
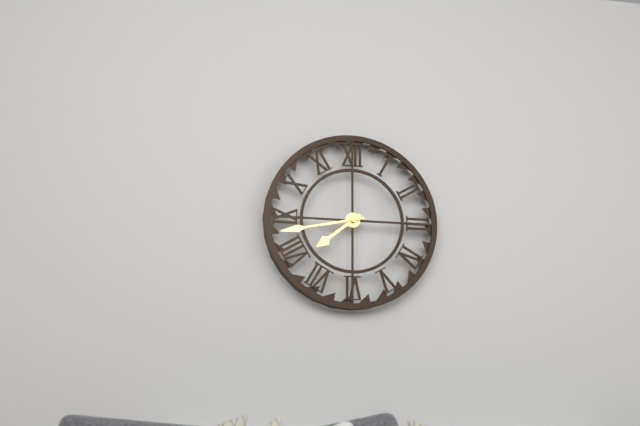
7:43
